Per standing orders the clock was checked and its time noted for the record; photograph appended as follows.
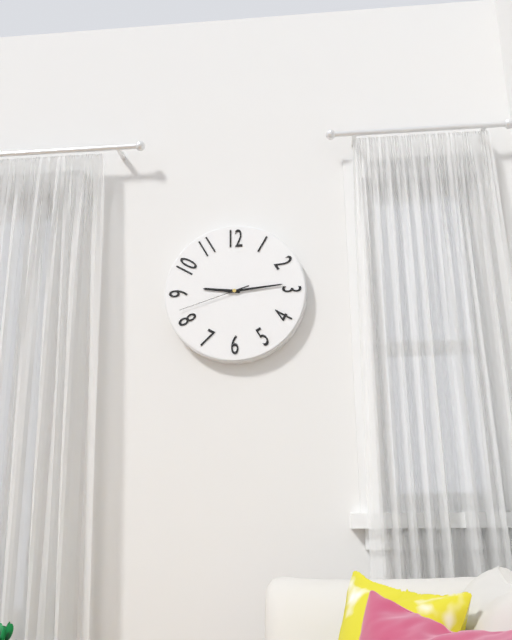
9:14:42
